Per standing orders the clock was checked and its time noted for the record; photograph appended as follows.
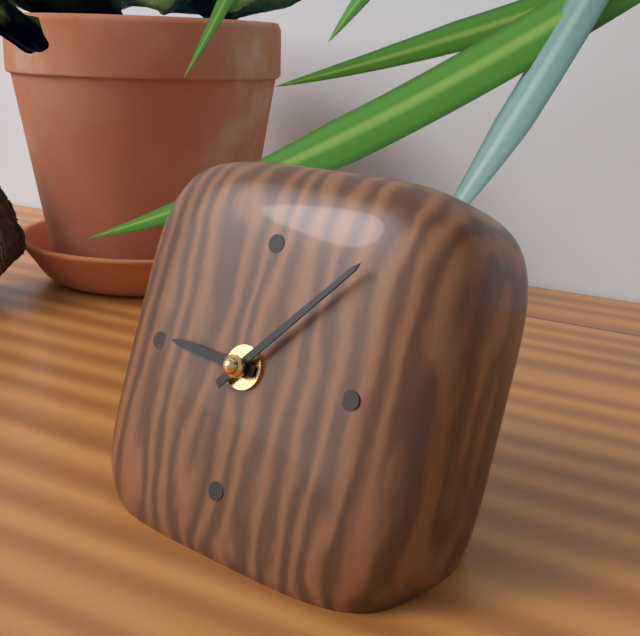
9:07
